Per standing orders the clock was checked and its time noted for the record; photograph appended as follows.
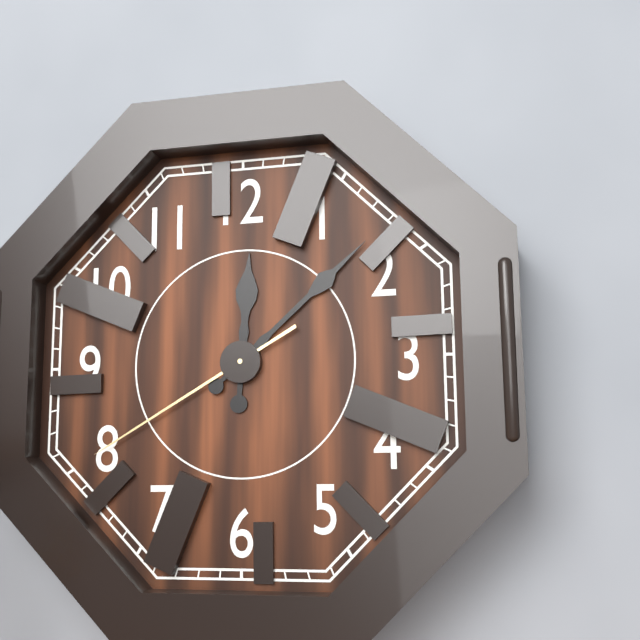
12:08:40
